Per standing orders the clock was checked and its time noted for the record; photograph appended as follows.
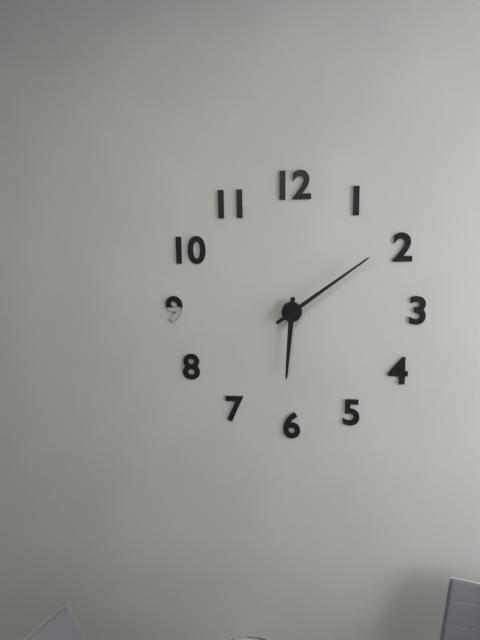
6:09
